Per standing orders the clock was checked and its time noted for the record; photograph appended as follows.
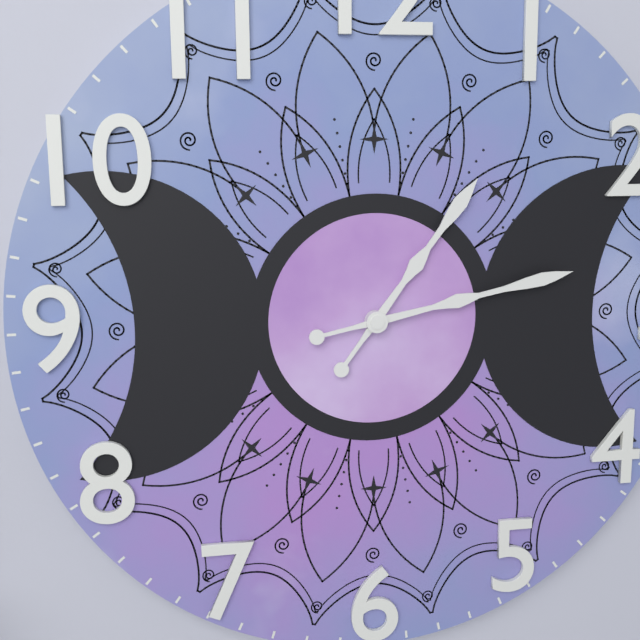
1:13
